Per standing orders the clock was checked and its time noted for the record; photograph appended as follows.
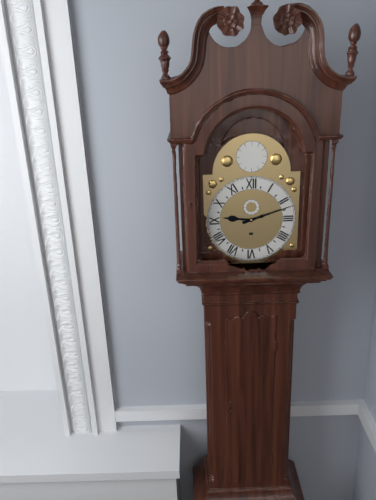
9:12
